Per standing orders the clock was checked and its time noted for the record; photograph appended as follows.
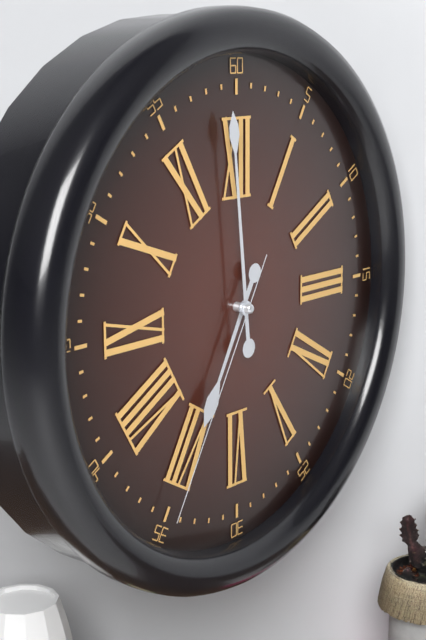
6:59:35
